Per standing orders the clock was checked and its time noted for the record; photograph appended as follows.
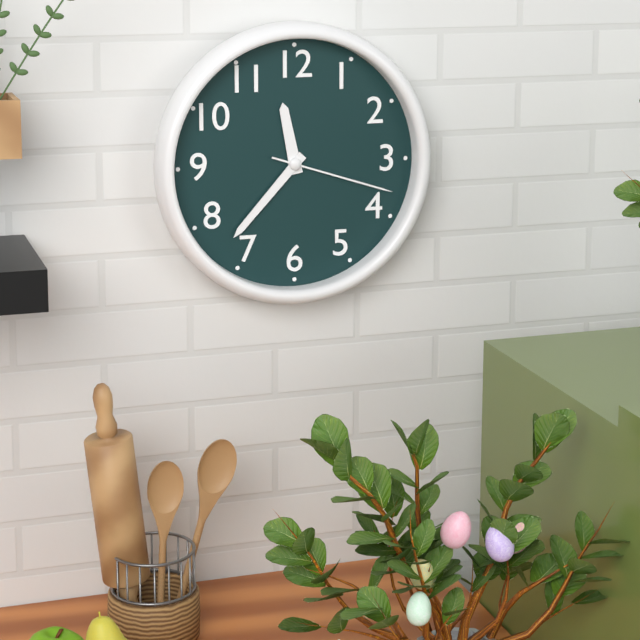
11:37:18
